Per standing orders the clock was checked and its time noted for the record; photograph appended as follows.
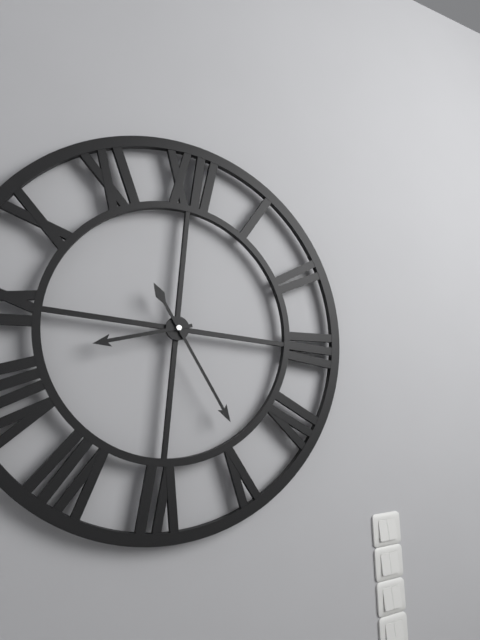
8:24
